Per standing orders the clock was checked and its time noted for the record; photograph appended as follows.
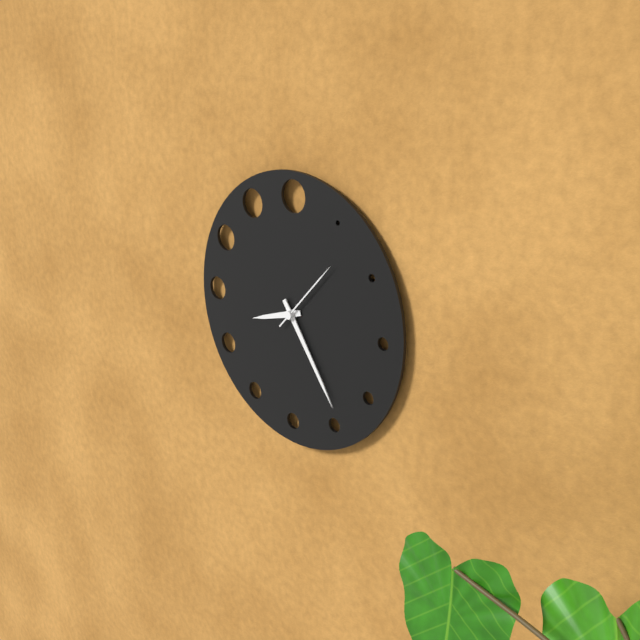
8:24:07
